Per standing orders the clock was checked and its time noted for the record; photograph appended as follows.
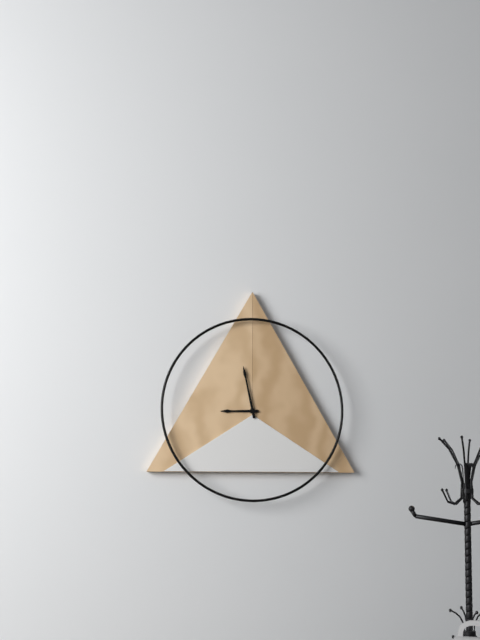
8:58
